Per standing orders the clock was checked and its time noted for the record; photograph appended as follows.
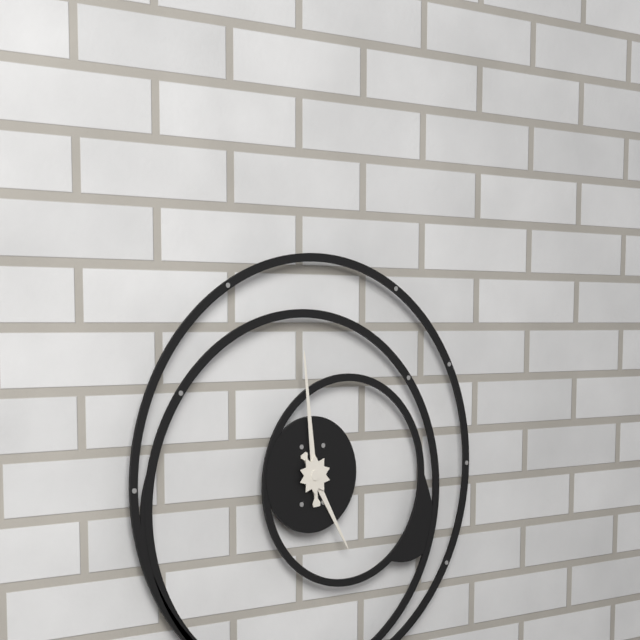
4:59
